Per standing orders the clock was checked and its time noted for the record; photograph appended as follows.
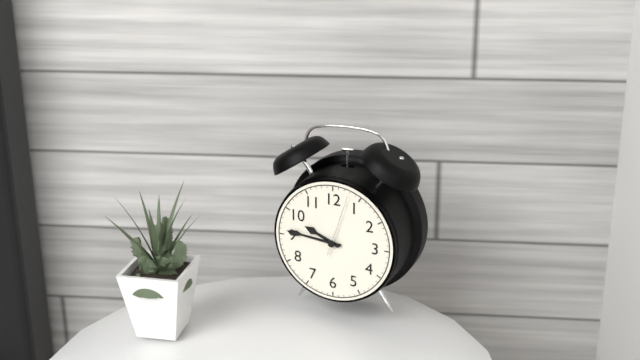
9:46:03
